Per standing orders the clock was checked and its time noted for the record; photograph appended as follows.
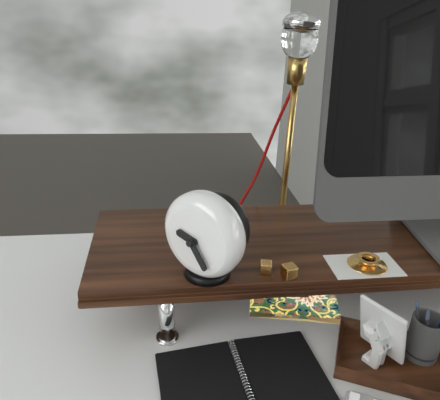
9:24
